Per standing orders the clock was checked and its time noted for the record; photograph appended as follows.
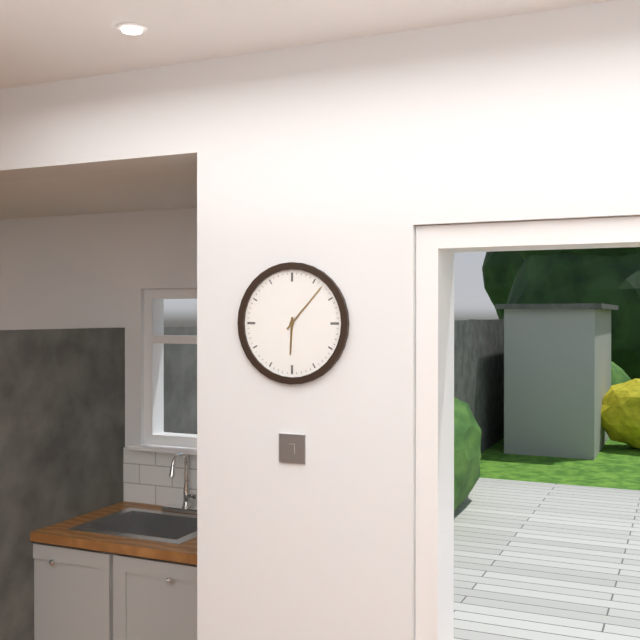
6:07
